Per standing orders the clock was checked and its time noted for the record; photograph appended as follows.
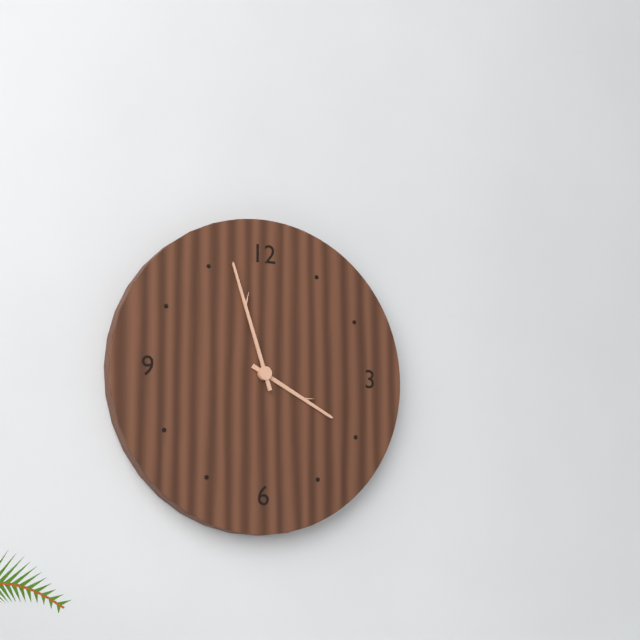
3:57
